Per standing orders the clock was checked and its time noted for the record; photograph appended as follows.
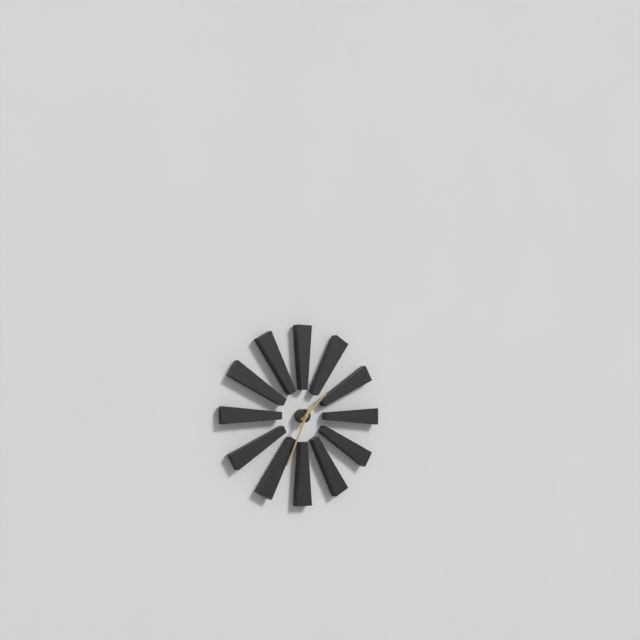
1:34
